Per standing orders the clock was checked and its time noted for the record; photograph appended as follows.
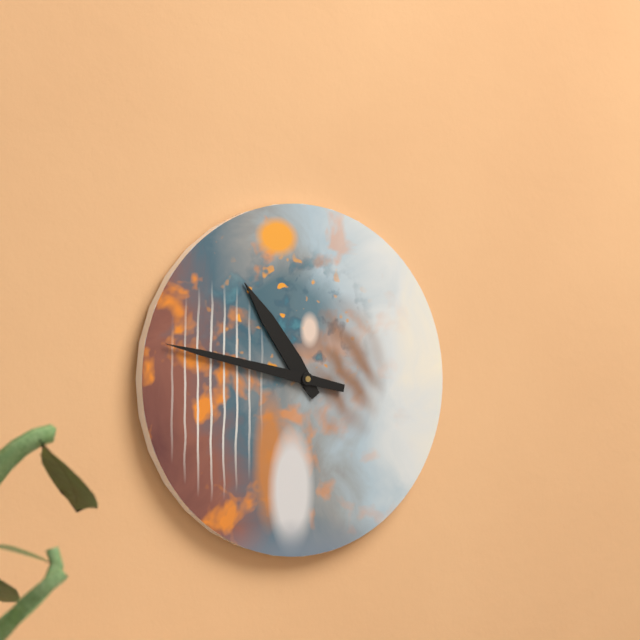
10:47
